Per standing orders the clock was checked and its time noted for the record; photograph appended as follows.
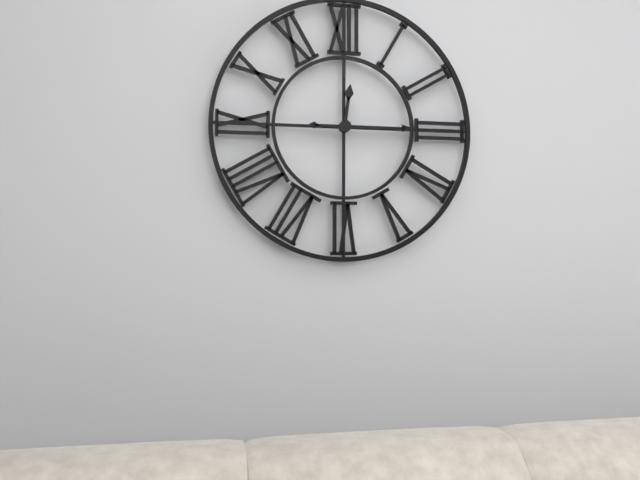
12:15
